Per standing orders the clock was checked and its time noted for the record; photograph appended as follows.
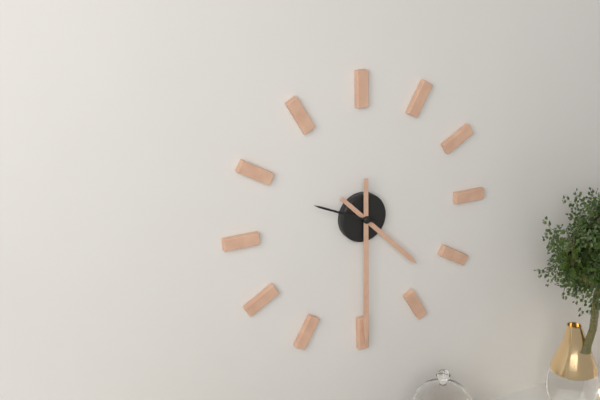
4:30:49
